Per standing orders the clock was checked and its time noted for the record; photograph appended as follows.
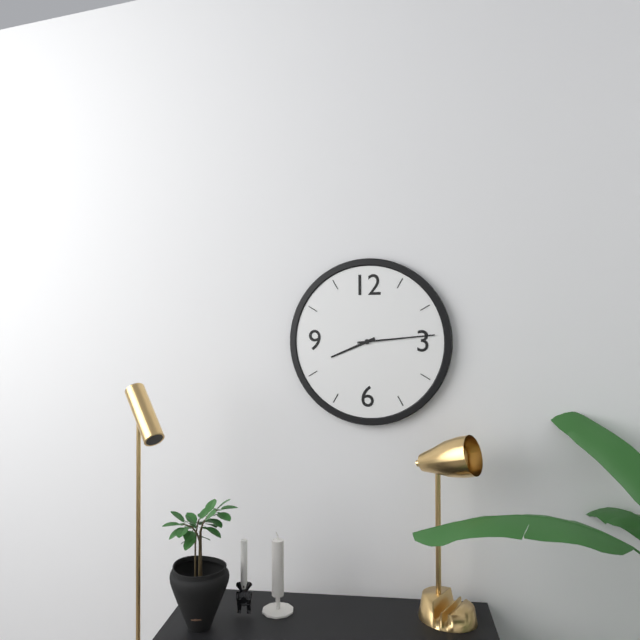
8:14
